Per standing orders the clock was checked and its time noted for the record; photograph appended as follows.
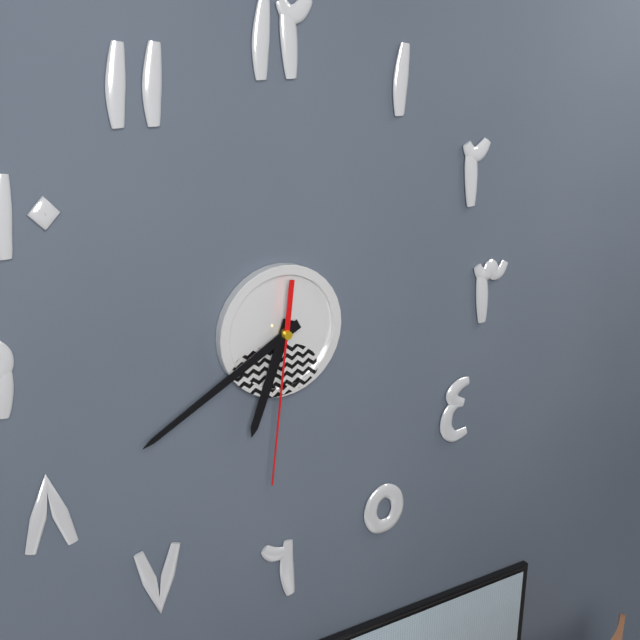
6:40:31
